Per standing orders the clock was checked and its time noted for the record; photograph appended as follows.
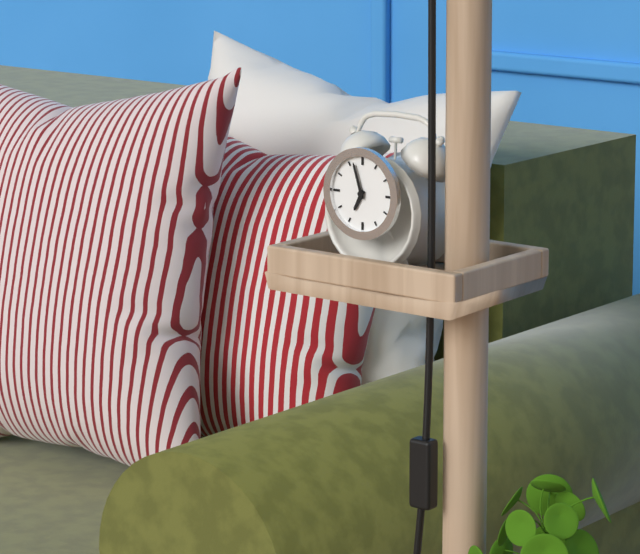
6:57
